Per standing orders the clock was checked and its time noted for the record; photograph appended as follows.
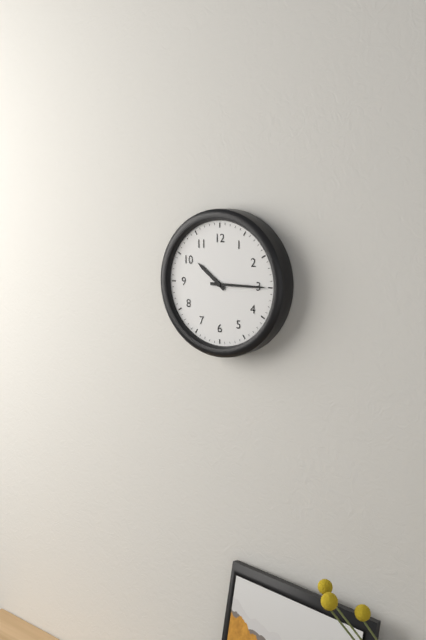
10:15
